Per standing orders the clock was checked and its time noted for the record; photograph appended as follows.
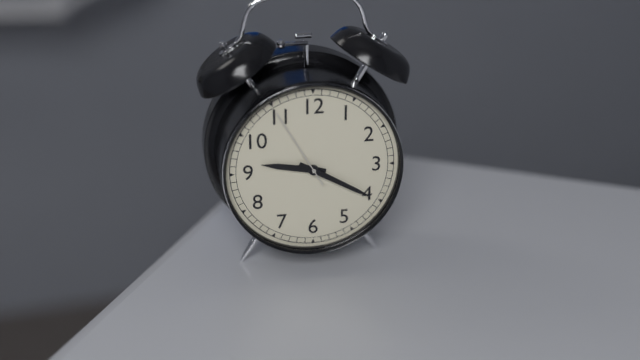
9:20:55
